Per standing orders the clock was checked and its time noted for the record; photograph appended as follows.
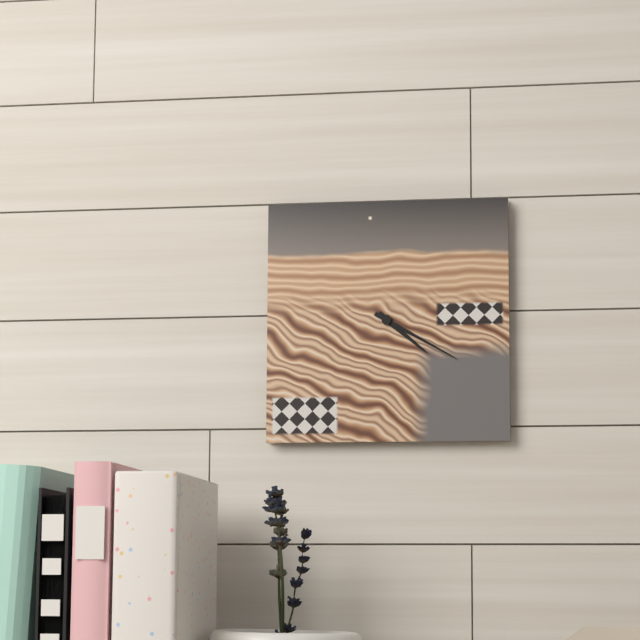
4:20
